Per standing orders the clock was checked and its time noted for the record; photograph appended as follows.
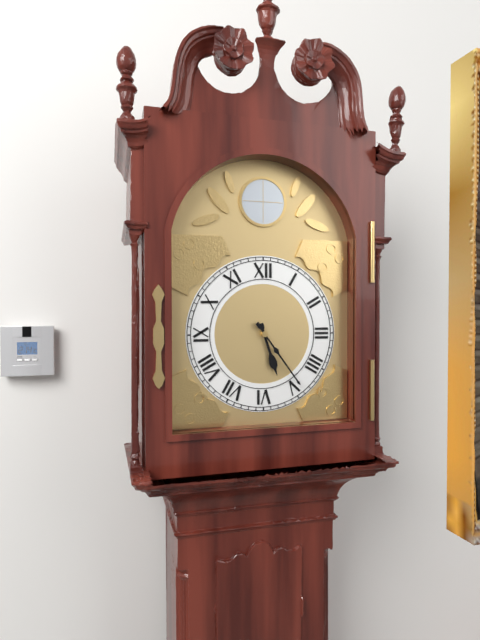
5:24
